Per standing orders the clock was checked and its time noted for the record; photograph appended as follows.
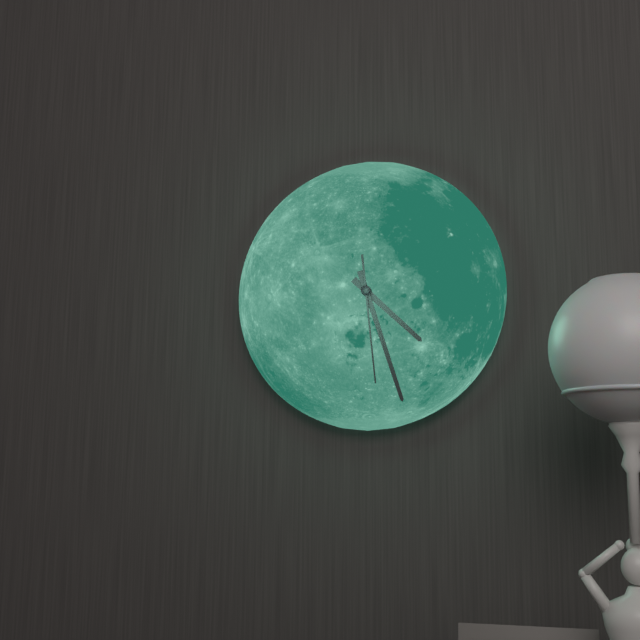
4:27:29
